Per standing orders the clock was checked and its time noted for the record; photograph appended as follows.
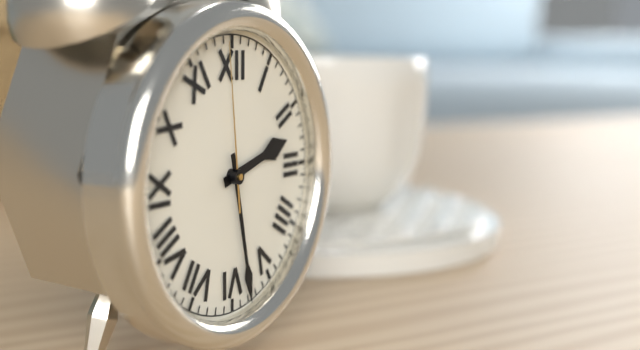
2:28:59
